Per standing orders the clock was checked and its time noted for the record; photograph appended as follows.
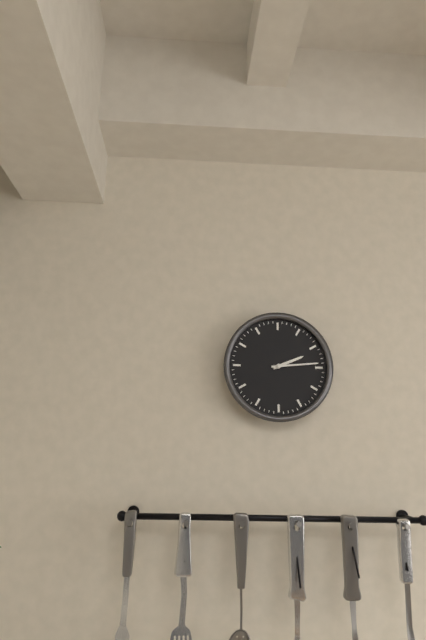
2:14
